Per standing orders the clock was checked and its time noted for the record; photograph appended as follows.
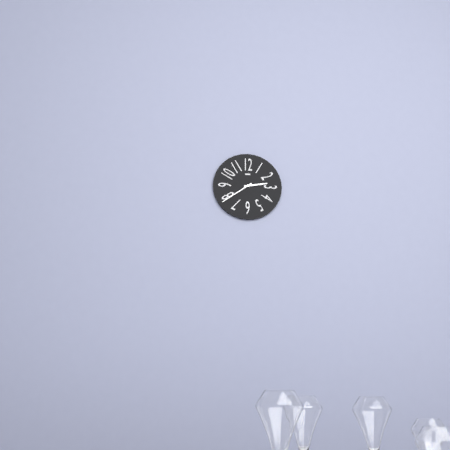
2:39
